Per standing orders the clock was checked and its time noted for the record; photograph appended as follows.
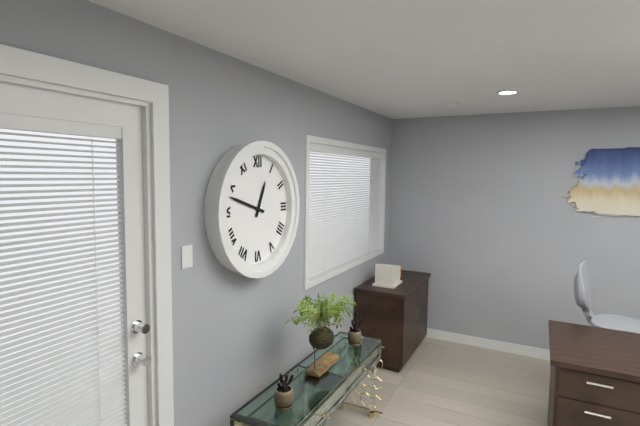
12:48
